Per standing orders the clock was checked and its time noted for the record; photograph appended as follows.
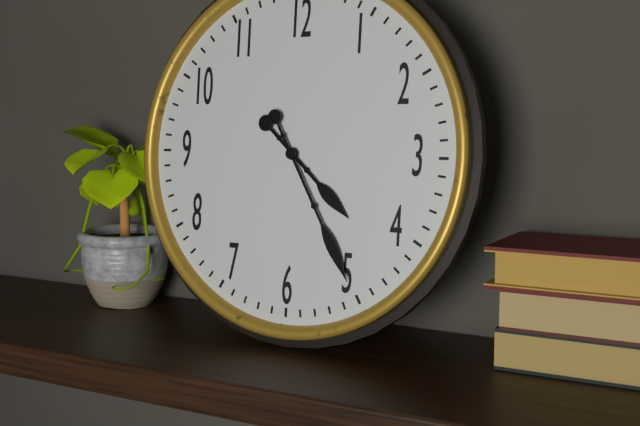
4:25
